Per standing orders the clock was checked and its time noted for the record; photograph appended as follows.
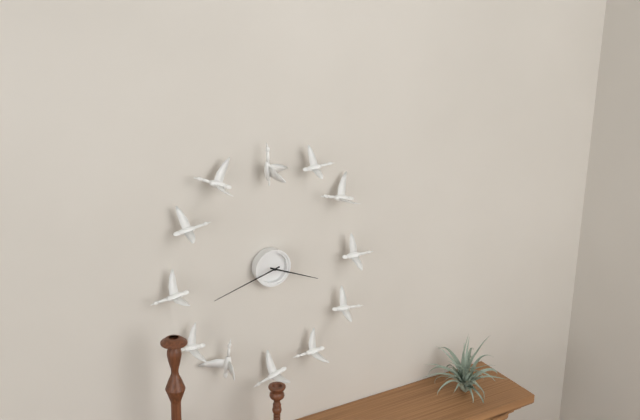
3:42
